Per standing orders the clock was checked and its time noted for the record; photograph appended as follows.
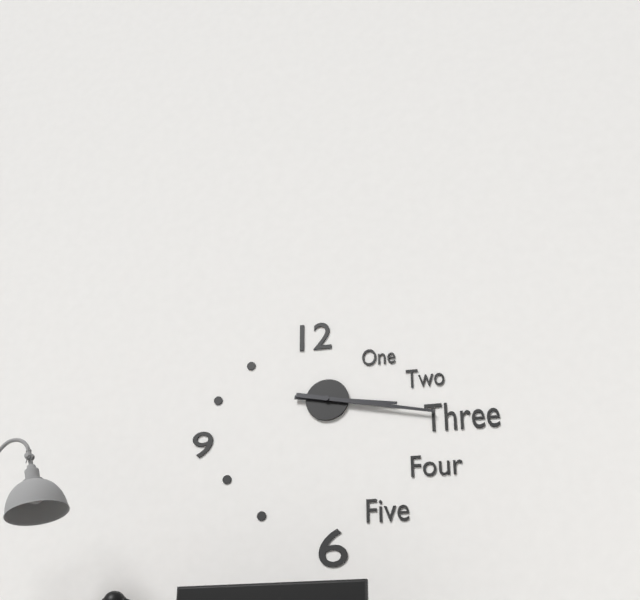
3:17
